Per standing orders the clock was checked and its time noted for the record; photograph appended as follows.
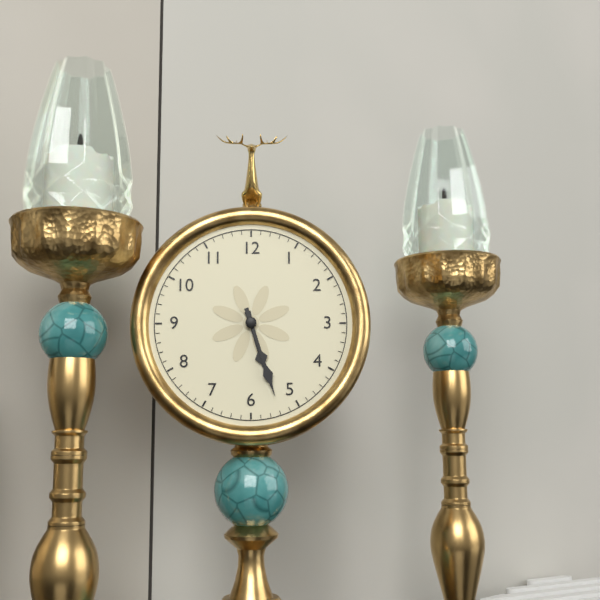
5:27
